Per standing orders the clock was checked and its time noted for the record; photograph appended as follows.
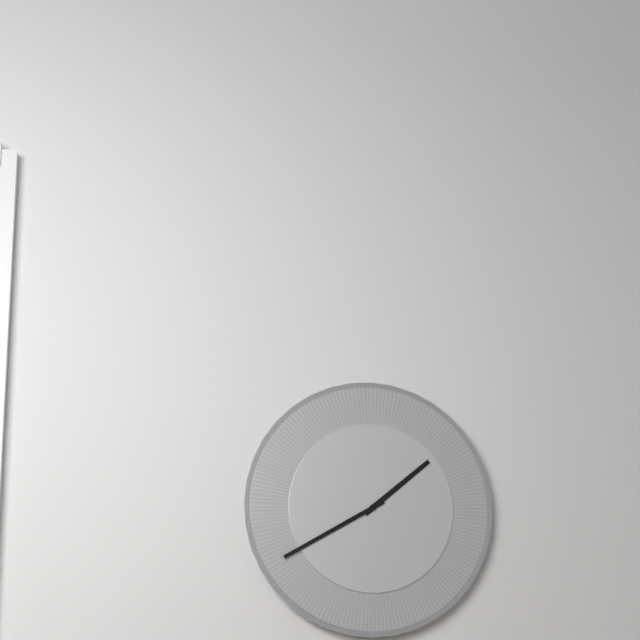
1:40
